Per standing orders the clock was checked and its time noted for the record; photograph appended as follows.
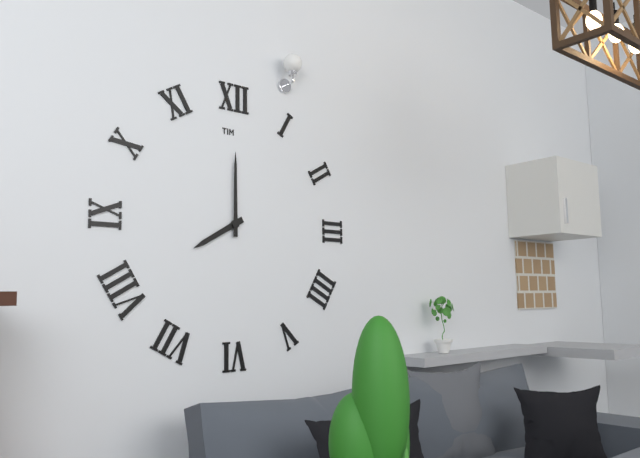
8:00
